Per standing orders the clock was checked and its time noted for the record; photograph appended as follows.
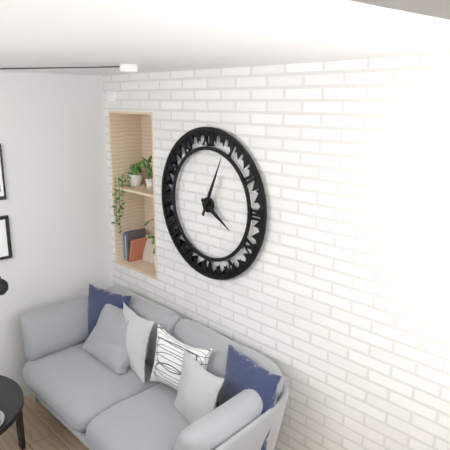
4:04
